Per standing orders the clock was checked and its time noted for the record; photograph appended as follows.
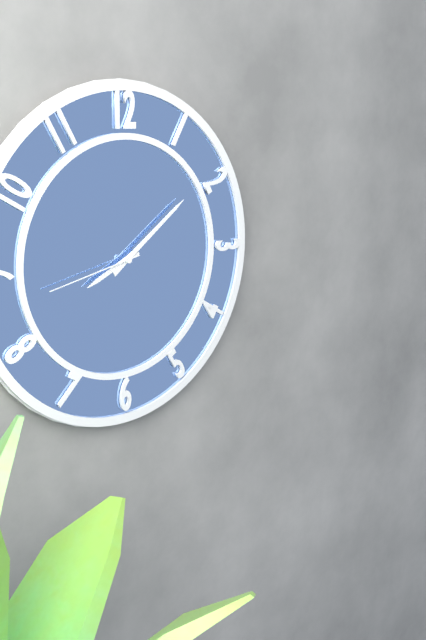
8:09:43
